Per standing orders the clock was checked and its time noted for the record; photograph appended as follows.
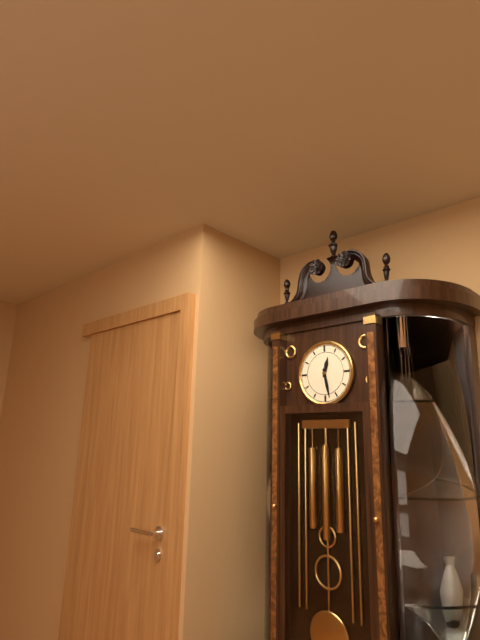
12:28
